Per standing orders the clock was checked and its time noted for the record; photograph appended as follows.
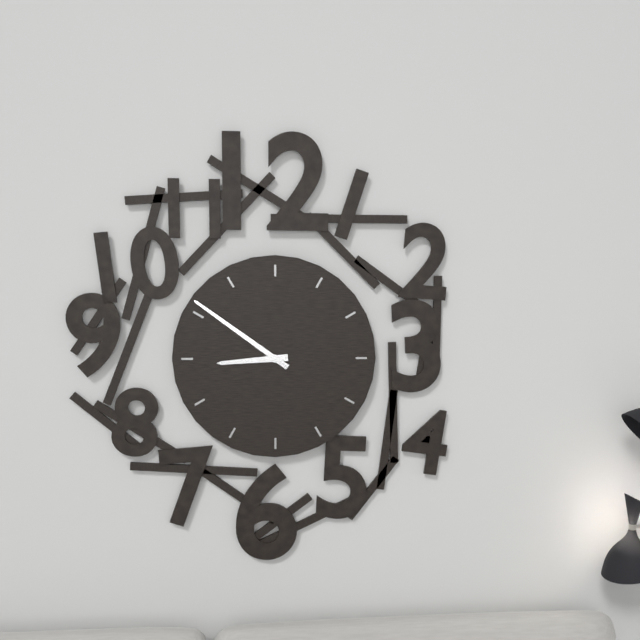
8:51
